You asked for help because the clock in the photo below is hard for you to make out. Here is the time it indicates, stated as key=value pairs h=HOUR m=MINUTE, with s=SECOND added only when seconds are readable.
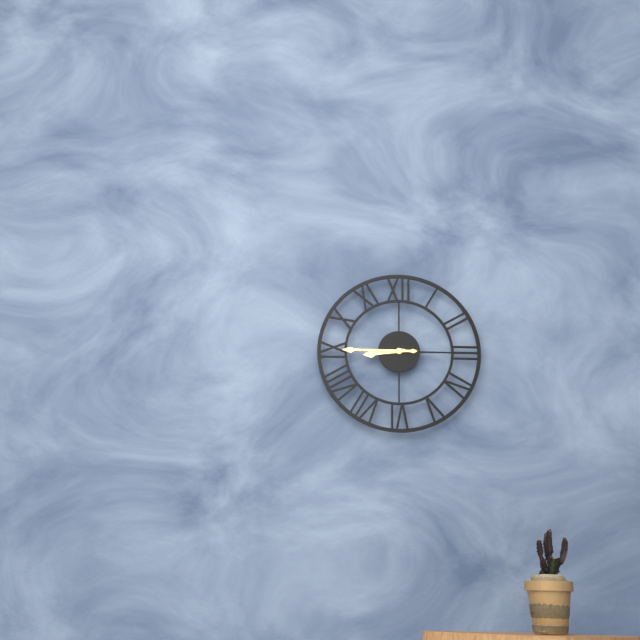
h=8 m=45
